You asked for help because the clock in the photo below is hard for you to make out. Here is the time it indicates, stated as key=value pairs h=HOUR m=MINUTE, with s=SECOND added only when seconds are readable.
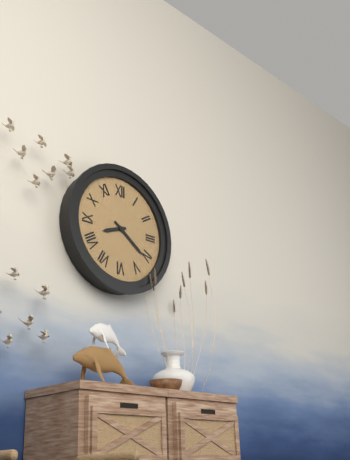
h=8 m=21
